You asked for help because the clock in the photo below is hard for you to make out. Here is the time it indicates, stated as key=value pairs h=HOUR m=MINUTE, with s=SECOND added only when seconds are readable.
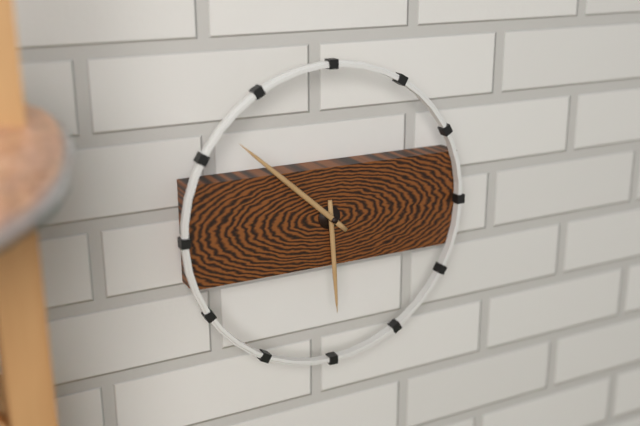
h=5 m=52
